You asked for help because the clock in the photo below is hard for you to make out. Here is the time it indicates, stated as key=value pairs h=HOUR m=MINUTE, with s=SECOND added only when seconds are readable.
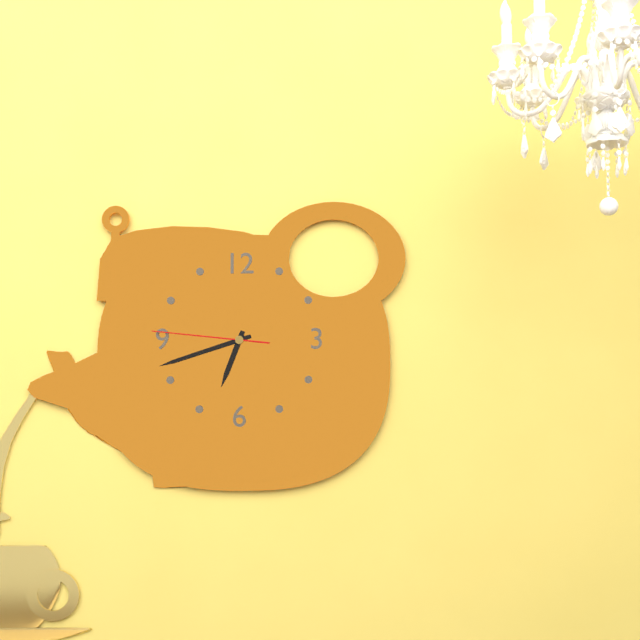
h=6 m=42 s=46
